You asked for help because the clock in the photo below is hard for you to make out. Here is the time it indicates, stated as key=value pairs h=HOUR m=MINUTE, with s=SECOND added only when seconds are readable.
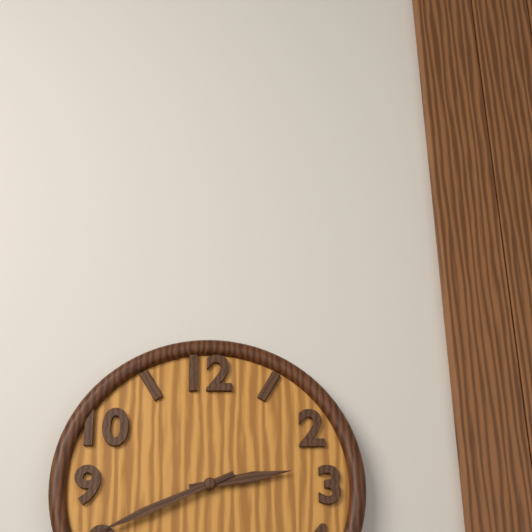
h=2 m=41
